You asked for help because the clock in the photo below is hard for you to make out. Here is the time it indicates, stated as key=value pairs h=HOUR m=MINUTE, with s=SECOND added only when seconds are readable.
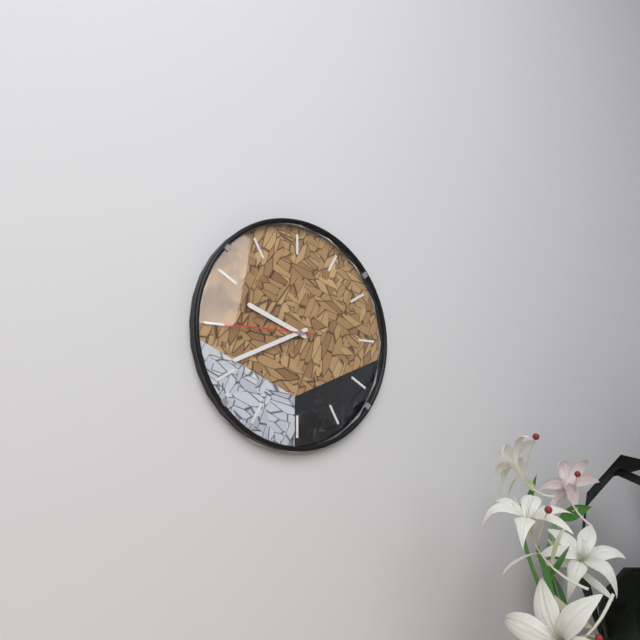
h=9 m=41 s=45
